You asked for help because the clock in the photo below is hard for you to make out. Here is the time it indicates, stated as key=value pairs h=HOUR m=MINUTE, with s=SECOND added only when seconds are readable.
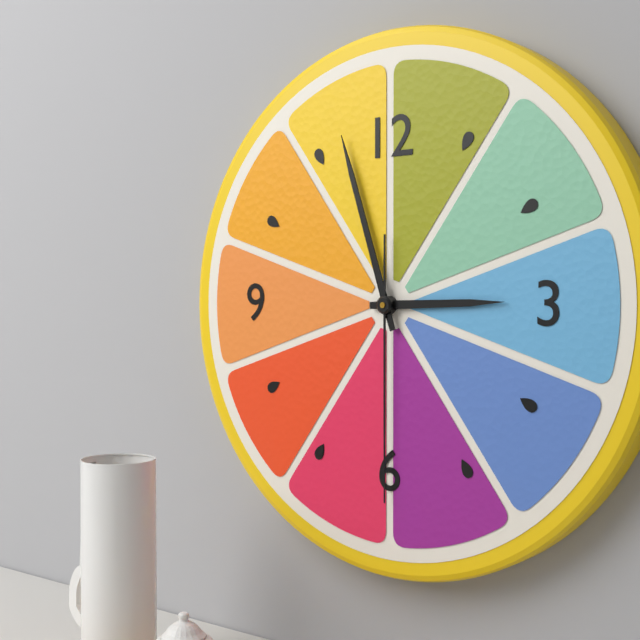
h=2 m=57 s=30
